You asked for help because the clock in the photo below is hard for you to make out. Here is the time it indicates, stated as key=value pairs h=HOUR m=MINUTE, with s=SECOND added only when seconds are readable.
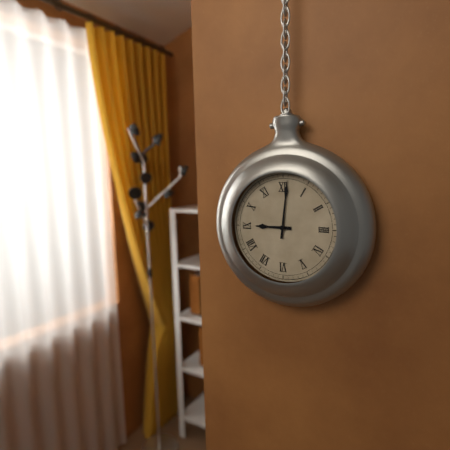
h=9 m=1
